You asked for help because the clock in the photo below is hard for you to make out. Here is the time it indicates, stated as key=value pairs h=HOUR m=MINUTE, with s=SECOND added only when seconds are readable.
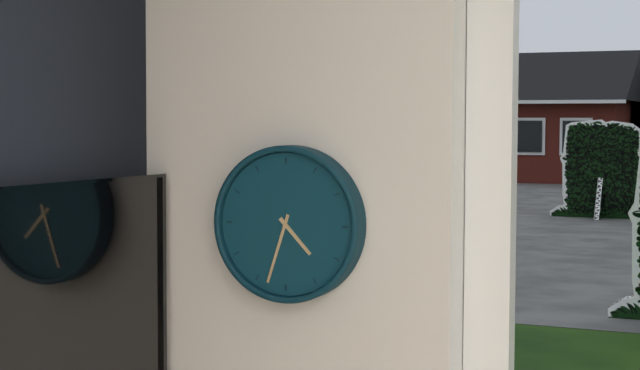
h=4 m=33
